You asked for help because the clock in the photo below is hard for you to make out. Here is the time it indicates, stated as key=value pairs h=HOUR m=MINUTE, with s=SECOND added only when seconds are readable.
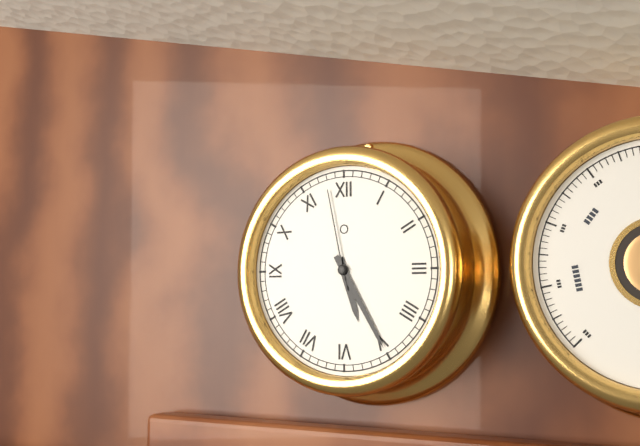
h=5 m=25 s=58
